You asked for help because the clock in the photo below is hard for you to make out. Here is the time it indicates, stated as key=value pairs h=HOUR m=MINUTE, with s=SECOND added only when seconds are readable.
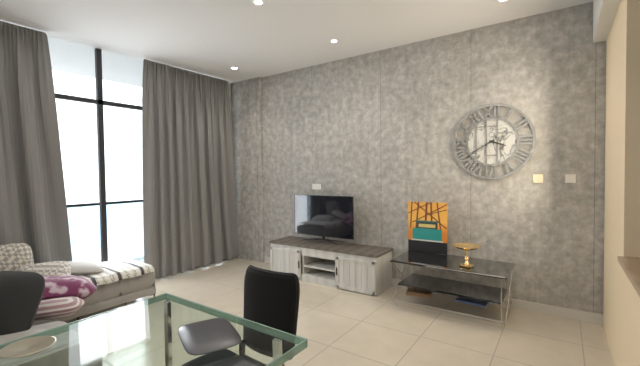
h=3 m=40
